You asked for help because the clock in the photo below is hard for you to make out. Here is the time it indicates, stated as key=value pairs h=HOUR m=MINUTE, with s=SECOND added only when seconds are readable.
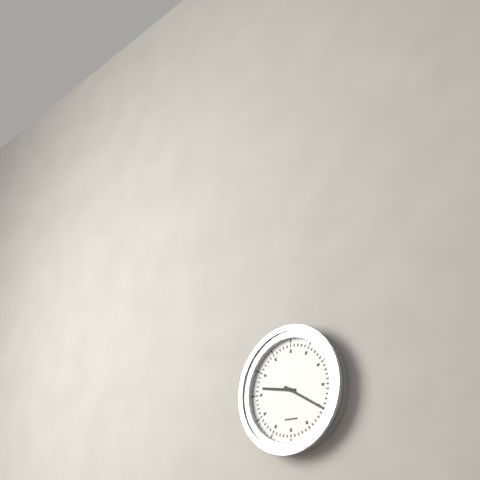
h=9 m=20
